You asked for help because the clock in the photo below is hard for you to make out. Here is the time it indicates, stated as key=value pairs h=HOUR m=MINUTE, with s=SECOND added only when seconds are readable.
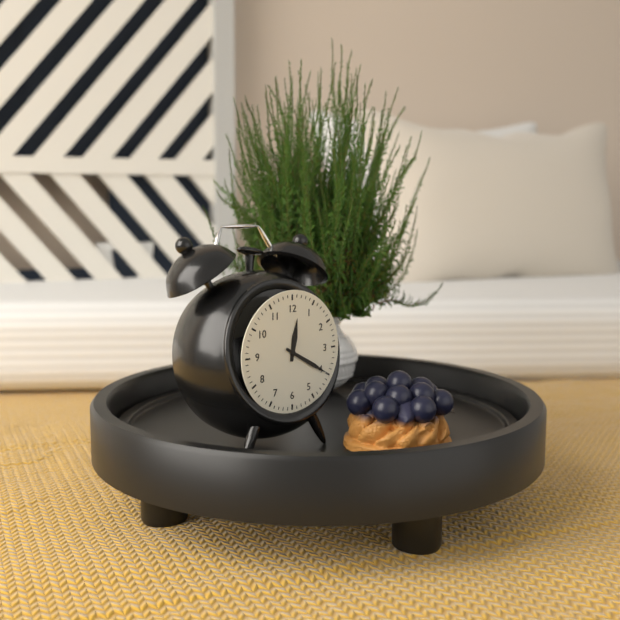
h=12 m=20
